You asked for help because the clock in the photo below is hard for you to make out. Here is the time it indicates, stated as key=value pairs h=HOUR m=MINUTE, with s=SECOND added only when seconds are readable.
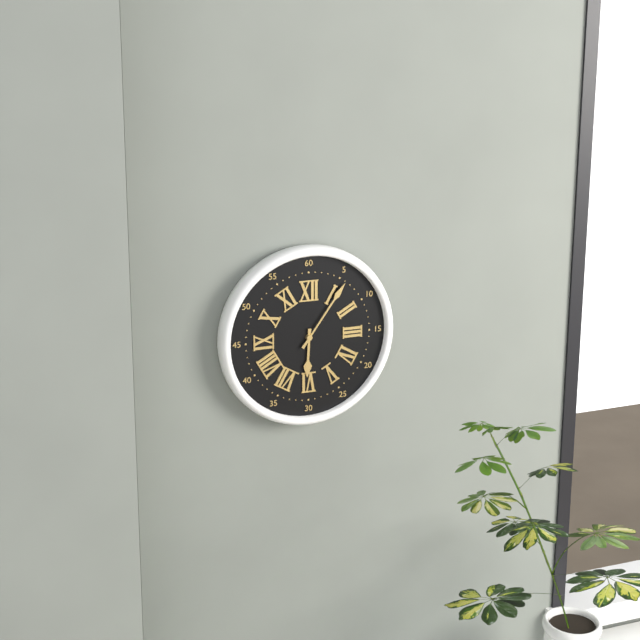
h=6 m=6
